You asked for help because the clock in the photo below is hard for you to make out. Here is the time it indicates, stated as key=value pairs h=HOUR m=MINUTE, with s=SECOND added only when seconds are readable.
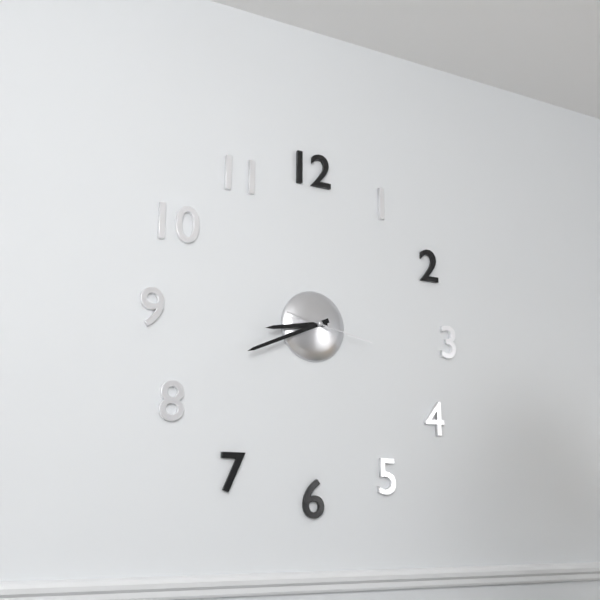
h=8 m=41 s=17
